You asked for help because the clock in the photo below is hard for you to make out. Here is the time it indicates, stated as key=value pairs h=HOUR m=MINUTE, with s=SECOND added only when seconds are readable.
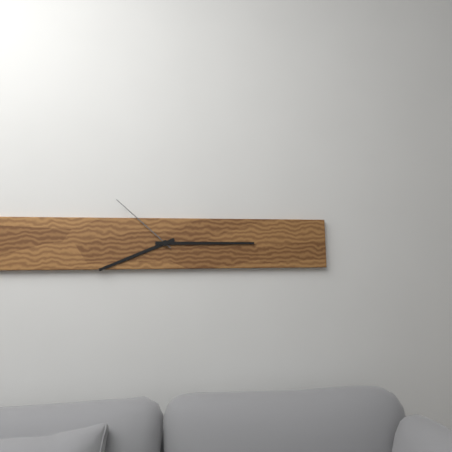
h=8 m=15 s=52
